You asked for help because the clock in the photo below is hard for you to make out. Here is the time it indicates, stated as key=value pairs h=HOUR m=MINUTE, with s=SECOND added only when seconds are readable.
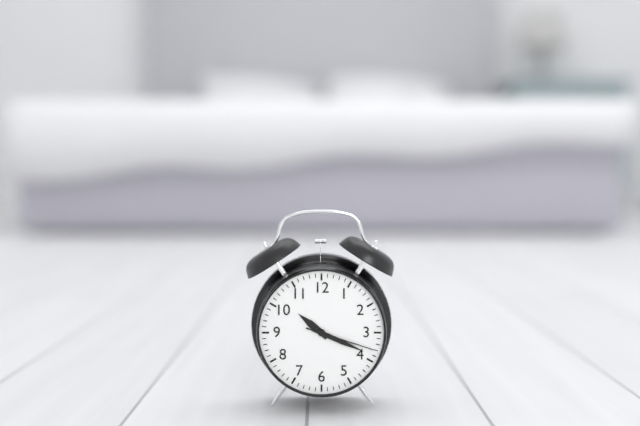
h=10 m=19 s=18
